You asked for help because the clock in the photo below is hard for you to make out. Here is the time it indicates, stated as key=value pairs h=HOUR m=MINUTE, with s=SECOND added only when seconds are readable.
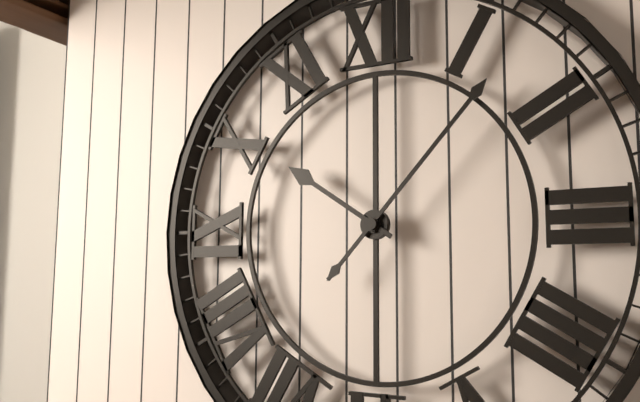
h=10 m=7
